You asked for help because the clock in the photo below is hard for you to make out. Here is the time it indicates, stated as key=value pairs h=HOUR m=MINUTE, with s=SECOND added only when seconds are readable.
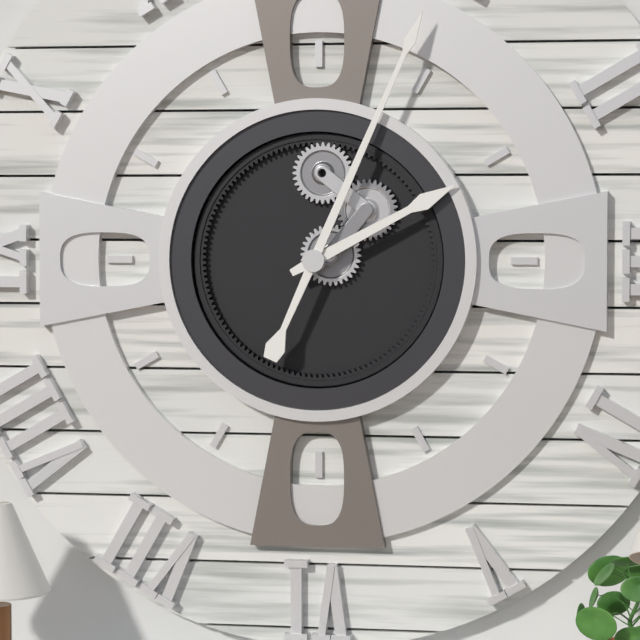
h=2 m=4
